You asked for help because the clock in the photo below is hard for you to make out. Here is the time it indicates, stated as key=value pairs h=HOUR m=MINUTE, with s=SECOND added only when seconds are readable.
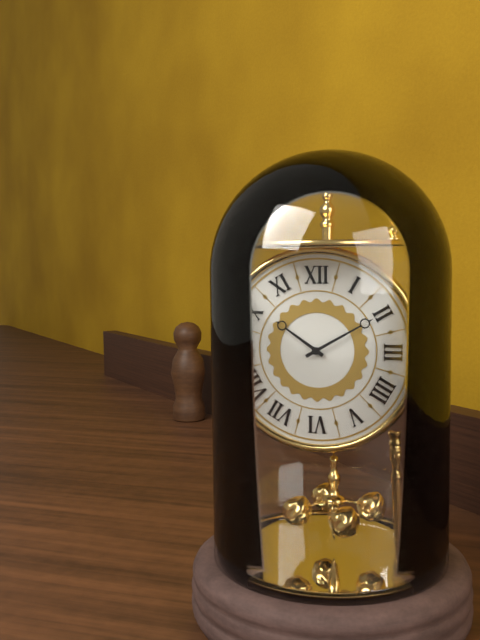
h=10 m=10
